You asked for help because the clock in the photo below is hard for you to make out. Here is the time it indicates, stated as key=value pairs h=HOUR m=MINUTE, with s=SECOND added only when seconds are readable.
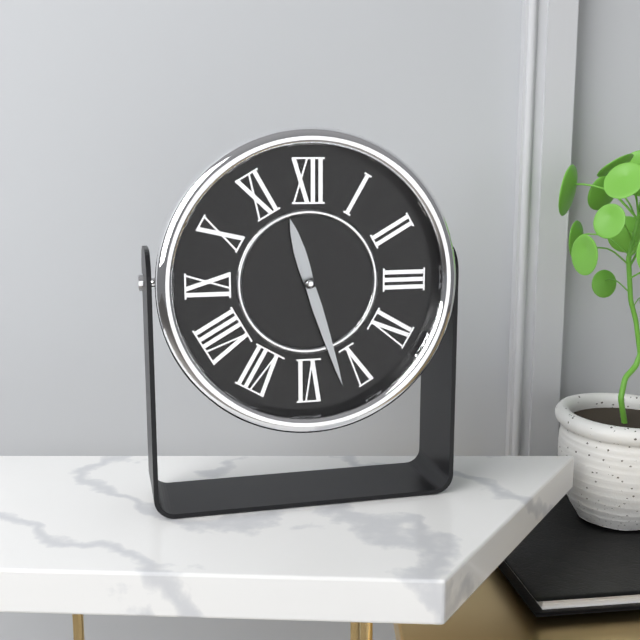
h=11 m=27
